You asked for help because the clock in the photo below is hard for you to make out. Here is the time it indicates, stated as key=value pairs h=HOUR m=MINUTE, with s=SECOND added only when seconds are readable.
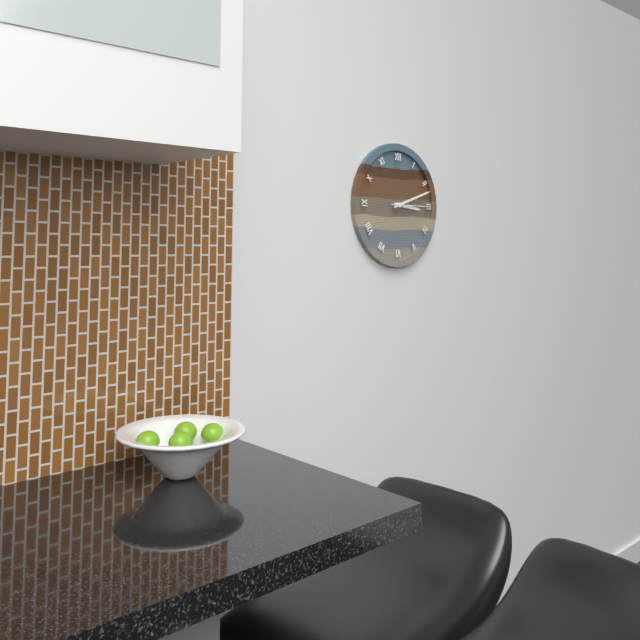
h=3 m=12
